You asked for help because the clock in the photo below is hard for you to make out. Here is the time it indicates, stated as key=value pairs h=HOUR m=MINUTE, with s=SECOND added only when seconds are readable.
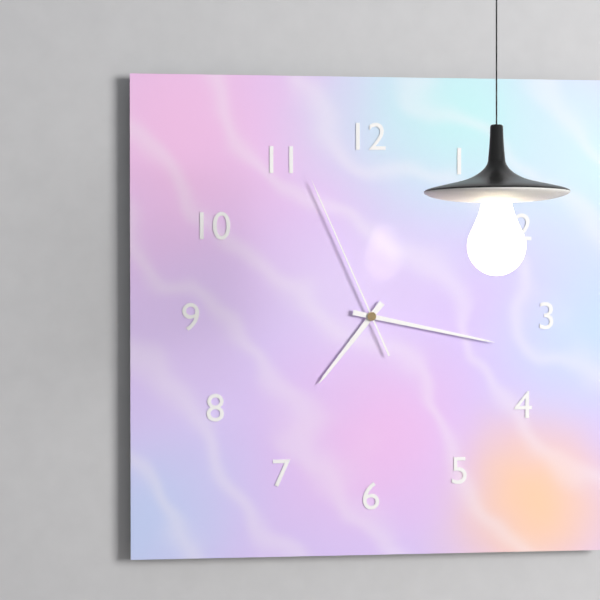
h=7 m=17 s=56
